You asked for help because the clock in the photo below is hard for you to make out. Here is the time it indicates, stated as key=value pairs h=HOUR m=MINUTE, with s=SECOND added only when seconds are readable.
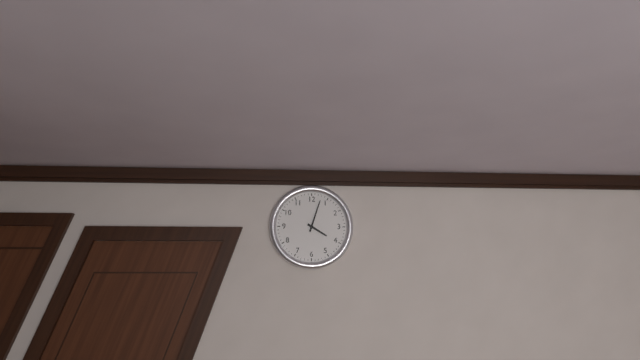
h=4 m=3
